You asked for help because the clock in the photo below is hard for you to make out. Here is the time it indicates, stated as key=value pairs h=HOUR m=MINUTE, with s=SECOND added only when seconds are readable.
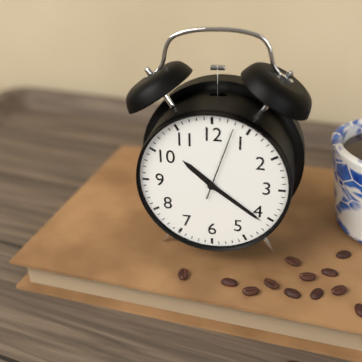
h=10 m=21 s=3
